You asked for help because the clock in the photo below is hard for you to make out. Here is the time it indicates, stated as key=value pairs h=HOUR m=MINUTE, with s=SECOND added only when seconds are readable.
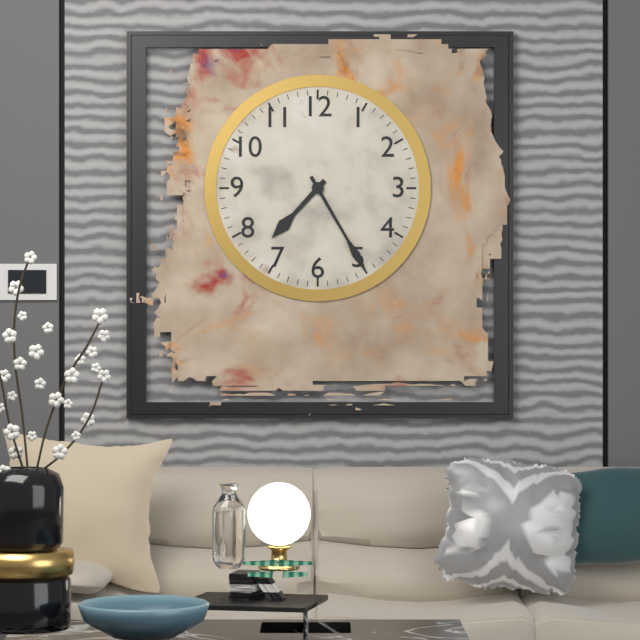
h=7 m=25
